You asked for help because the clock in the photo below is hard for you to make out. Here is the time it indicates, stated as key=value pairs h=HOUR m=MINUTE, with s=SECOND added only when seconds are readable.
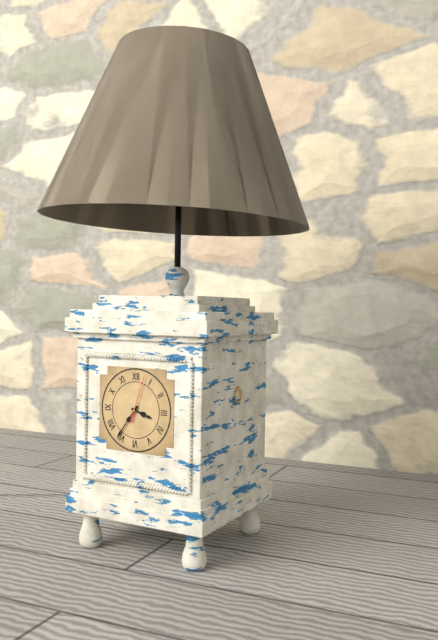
h=3 m=36
